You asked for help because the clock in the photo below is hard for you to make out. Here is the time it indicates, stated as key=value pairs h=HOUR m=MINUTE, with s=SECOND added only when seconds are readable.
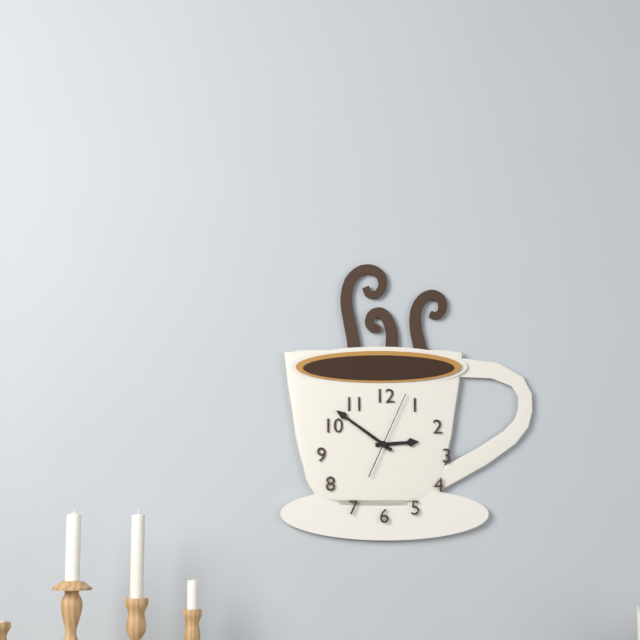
h=2 m=51 s=4
